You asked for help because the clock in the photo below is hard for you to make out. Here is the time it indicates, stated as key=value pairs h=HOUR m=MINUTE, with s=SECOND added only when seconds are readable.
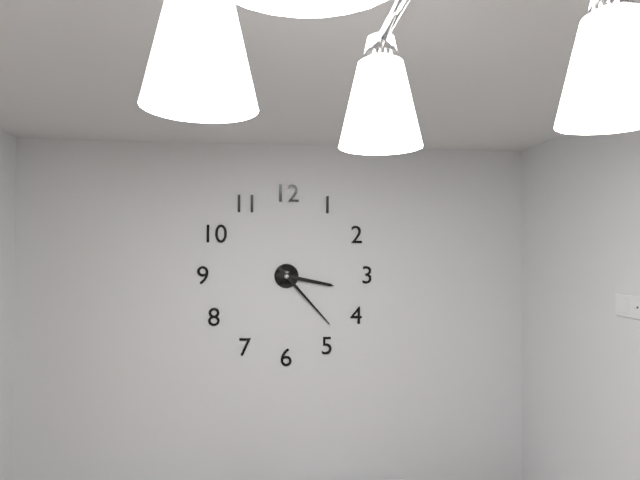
h=3 m=23
